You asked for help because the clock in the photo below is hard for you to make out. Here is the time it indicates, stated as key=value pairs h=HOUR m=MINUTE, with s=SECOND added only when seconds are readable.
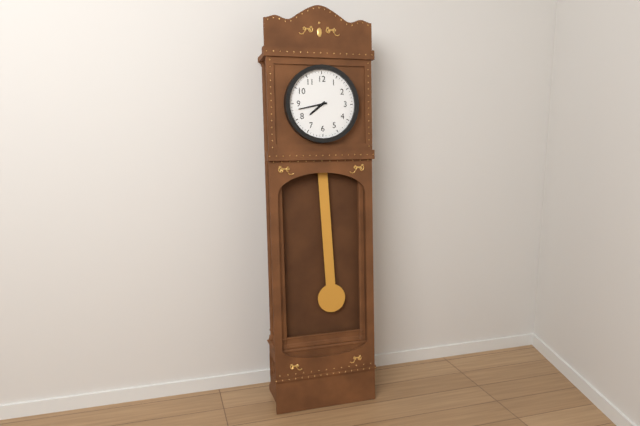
h=7 m=43
